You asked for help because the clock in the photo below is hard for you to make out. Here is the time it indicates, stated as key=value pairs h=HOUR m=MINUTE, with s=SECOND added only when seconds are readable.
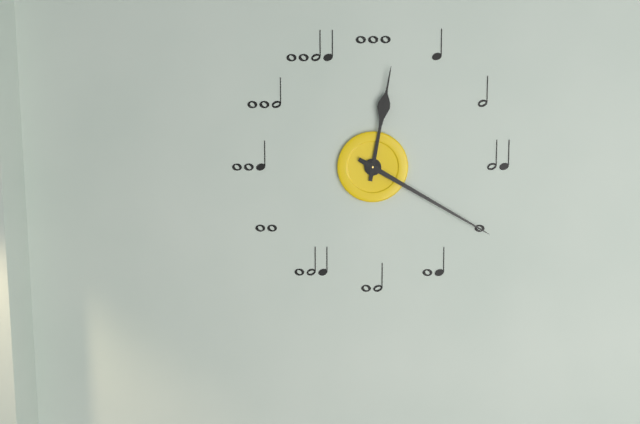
h=12 m=20
